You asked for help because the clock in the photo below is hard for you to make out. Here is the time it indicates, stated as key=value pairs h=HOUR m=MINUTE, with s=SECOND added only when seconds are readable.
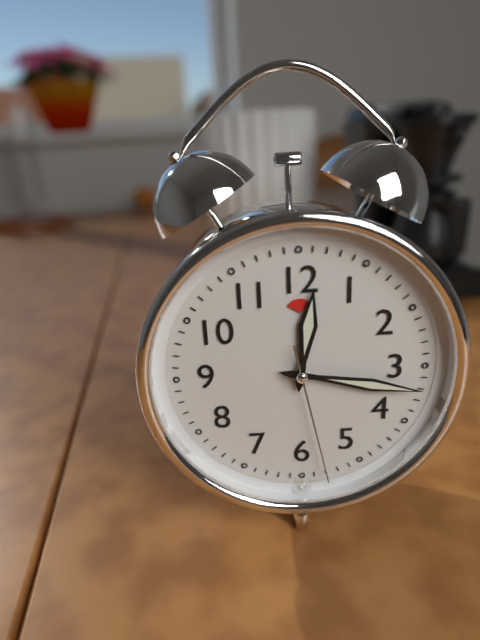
h=12 m=17 s=28
